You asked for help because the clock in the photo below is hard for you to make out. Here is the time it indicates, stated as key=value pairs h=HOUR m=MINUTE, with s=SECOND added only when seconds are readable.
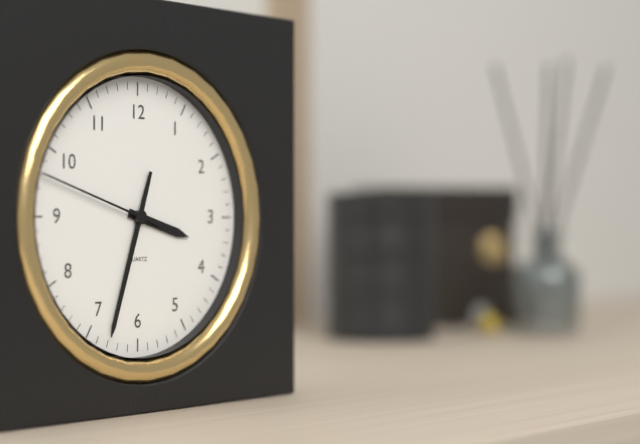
h=3 m=33 s=48
